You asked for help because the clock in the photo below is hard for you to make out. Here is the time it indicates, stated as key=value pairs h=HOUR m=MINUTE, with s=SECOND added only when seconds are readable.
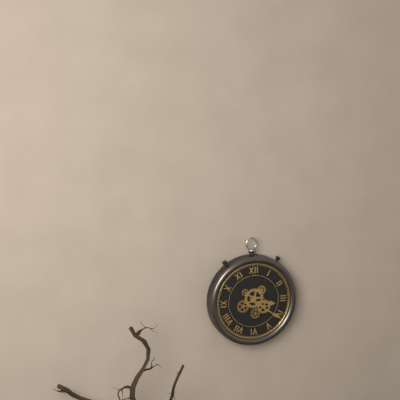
h=3 m=21
